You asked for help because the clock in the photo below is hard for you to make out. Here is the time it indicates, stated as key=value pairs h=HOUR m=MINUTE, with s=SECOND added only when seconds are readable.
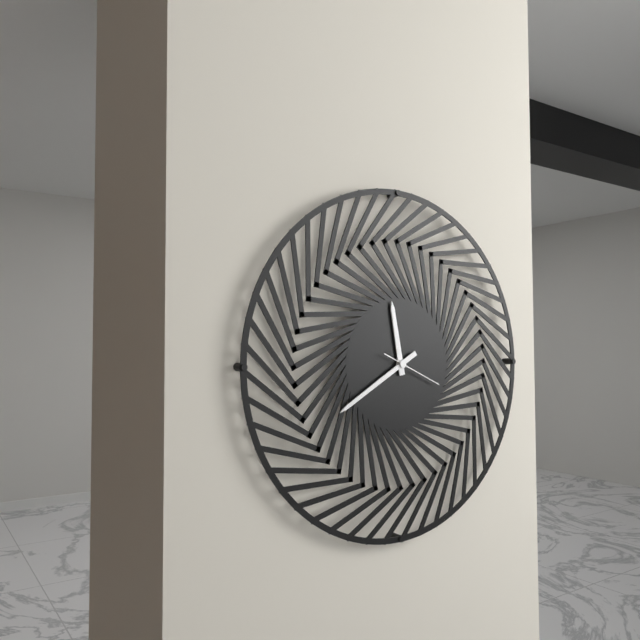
h=11 m=40 s=19
